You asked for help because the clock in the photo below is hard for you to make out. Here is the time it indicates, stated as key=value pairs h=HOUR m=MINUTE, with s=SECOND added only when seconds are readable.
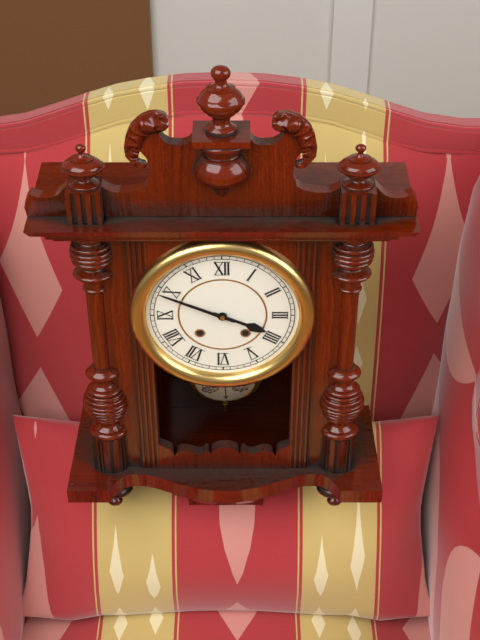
h=3 m=49
